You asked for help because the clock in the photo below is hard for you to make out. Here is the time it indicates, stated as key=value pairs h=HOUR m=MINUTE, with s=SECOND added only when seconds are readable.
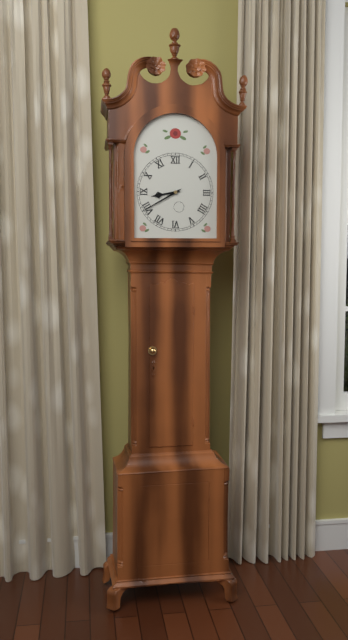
h=8 m=40
